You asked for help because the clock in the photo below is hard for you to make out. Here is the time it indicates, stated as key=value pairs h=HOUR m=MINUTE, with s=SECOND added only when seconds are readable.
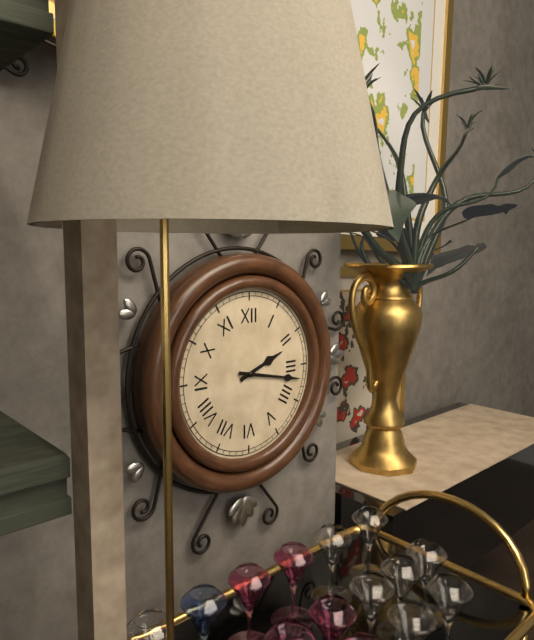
h=2 m=17
